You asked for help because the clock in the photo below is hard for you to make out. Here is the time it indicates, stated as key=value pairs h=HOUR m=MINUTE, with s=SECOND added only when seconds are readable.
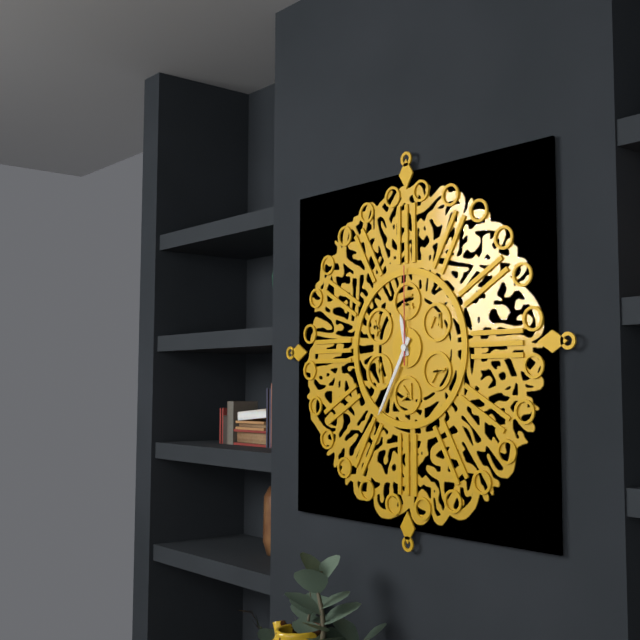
h=11 m=35 s=0
